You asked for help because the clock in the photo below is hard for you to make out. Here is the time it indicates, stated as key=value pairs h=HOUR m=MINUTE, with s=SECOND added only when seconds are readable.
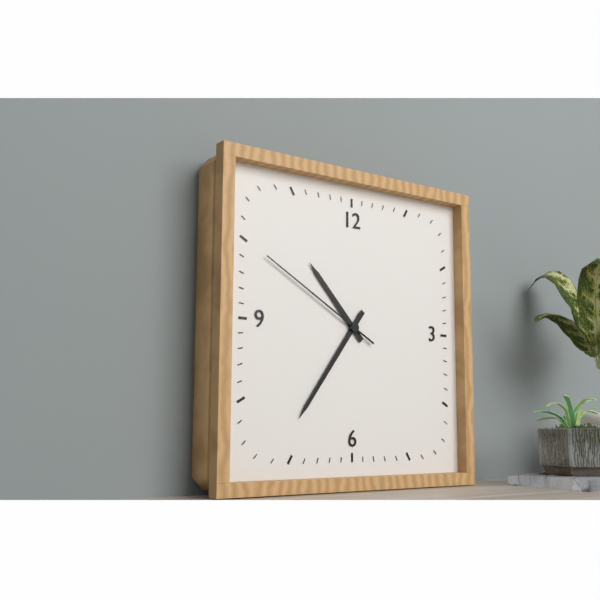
h=10 m=36 s=50
